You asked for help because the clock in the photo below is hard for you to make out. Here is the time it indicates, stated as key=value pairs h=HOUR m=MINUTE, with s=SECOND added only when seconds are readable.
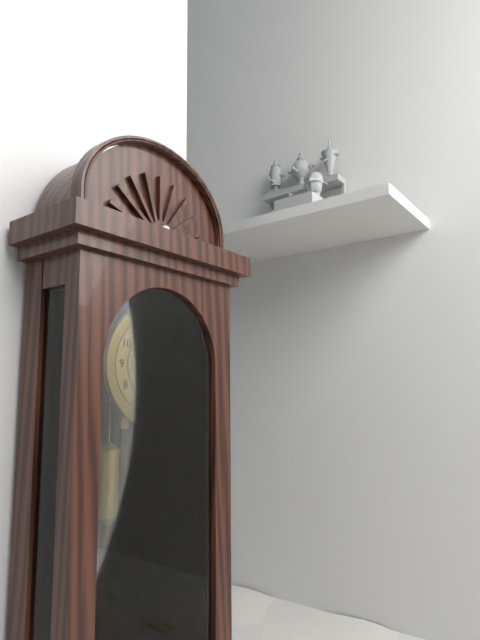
h=10 m=3
